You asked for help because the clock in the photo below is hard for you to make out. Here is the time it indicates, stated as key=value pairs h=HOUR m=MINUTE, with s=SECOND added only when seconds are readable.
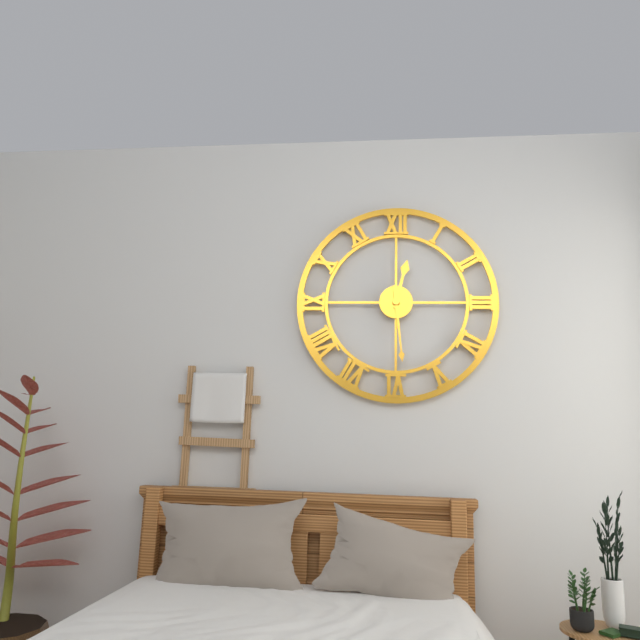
h=12 m=29
